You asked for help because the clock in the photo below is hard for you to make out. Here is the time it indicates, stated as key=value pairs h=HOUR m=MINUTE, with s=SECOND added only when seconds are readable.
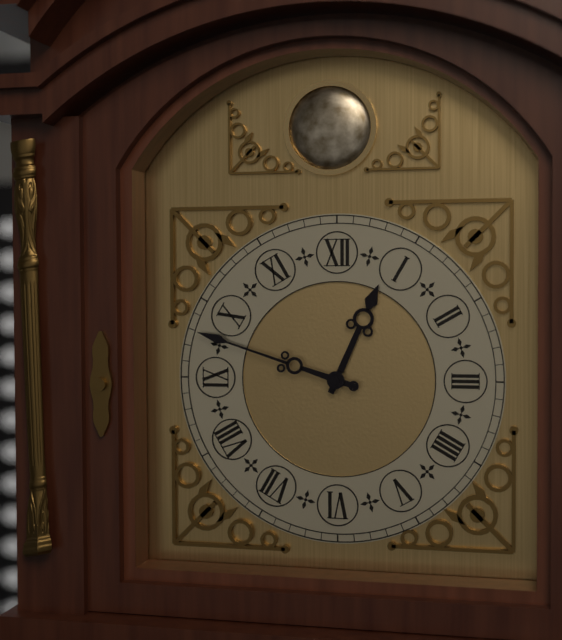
h=12 m=48
